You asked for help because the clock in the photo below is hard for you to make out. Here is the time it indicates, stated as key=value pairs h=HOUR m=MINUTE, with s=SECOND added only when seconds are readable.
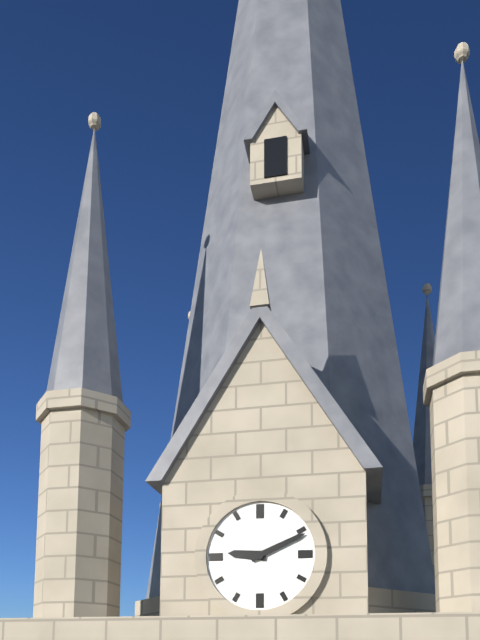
h=9 m=11
